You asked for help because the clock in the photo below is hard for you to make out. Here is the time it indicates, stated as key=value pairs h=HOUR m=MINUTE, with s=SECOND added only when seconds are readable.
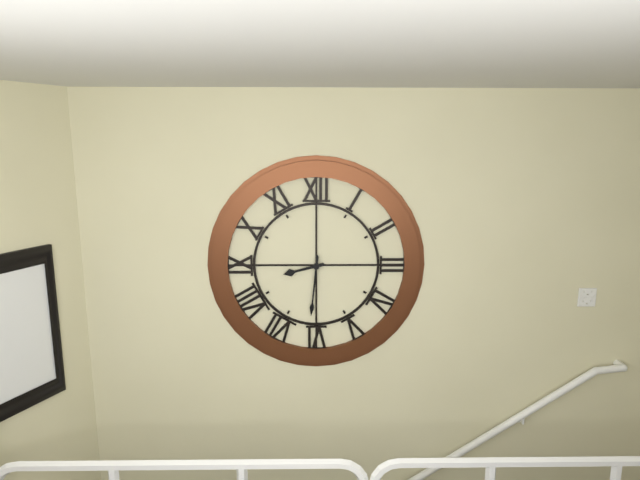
h=8 m=31
